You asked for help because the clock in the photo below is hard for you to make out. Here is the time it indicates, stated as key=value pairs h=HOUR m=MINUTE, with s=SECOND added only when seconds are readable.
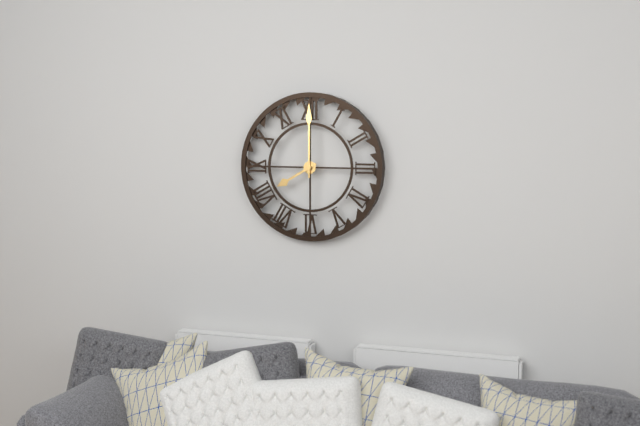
h=8 m=0
